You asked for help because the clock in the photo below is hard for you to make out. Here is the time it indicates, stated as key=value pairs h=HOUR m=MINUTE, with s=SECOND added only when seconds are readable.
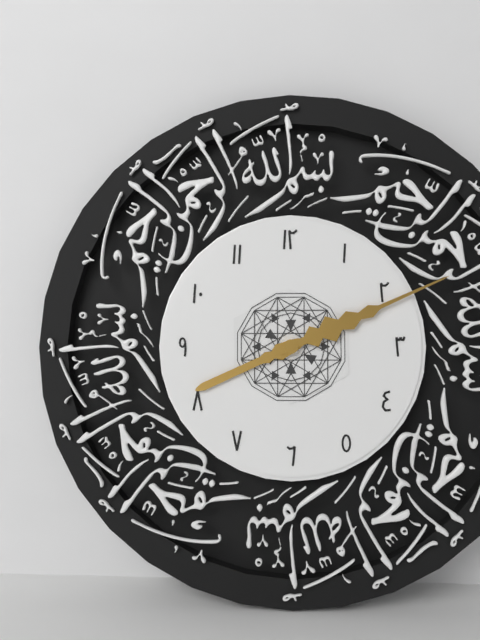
h=8 m=11
